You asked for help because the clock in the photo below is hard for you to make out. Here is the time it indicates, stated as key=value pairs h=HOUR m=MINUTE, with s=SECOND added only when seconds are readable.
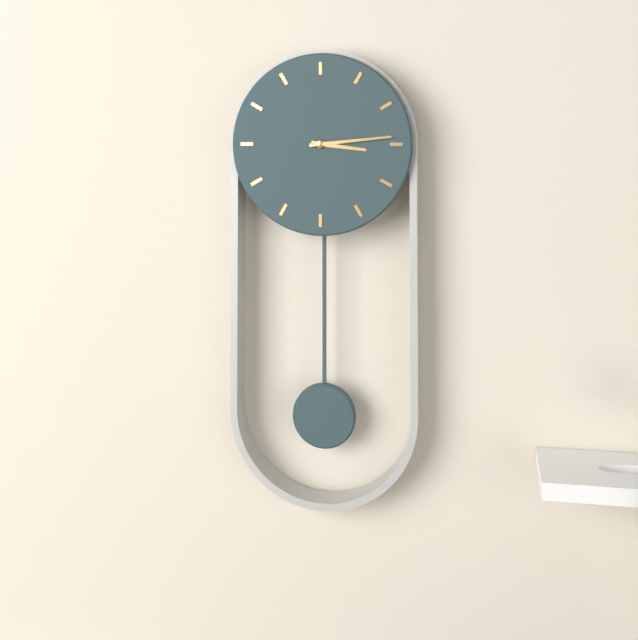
h=3 m=14
